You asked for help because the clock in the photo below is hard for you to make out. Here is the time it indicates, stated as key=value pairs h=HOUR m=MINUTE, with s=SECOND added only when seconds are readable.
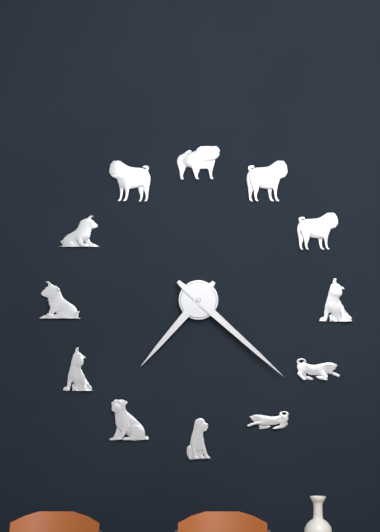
h=7 m=22
